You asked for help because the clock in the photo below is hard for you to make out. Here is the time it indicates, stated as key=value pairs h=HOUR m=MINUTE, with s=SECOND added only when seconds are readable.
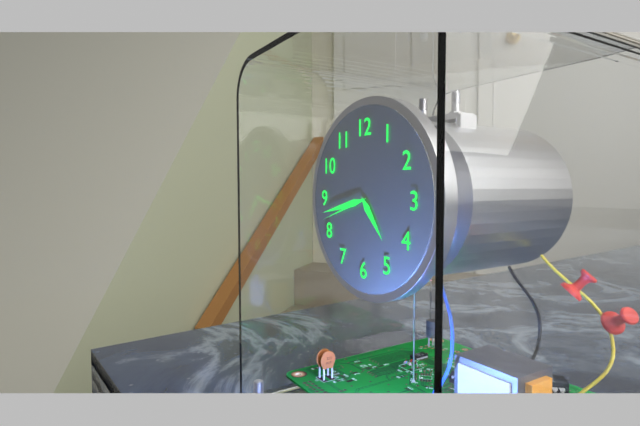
h=4 m=43 s=42
